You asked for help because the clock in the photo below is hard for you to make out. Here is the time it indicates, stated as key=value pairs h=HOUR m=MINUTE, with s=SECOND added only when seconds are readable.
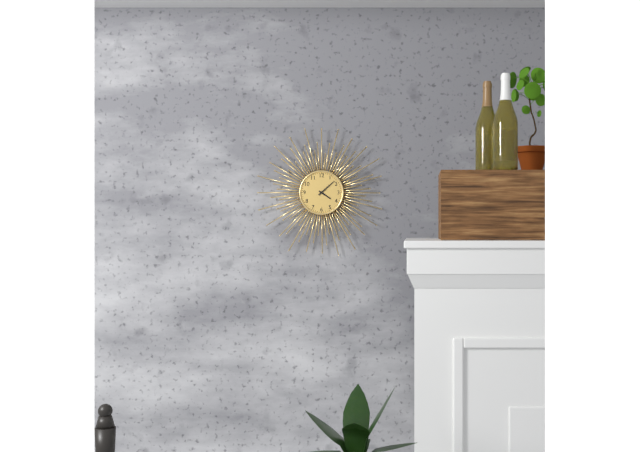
h=4 m=8
